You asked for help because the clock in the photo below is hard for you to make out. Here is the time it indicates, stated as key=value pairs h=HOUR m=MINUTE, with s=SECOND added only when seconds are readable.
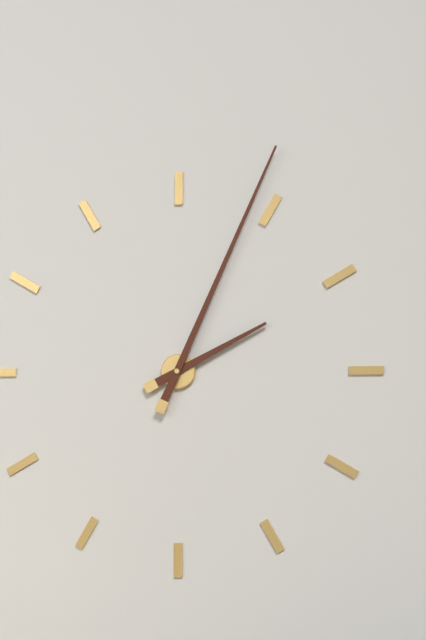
h=2 m=4
